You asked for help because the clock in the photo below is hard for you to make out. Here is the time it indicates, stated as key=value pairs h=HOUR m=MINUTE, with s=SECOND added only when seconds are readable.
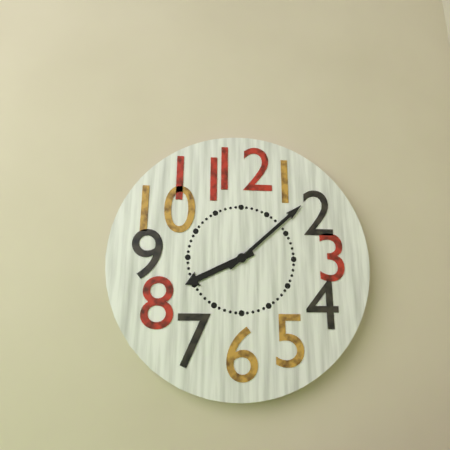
h=8 m=8
